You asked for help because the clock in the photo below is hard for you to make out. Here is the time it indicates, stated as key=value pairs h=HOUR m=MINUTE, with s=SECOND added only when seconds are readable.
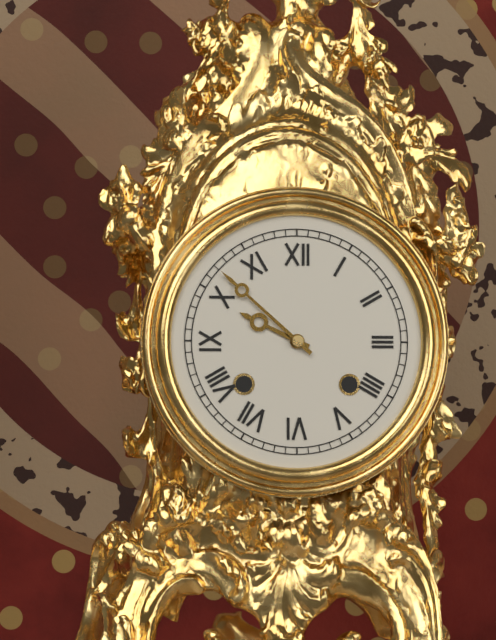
h=9 m=52
